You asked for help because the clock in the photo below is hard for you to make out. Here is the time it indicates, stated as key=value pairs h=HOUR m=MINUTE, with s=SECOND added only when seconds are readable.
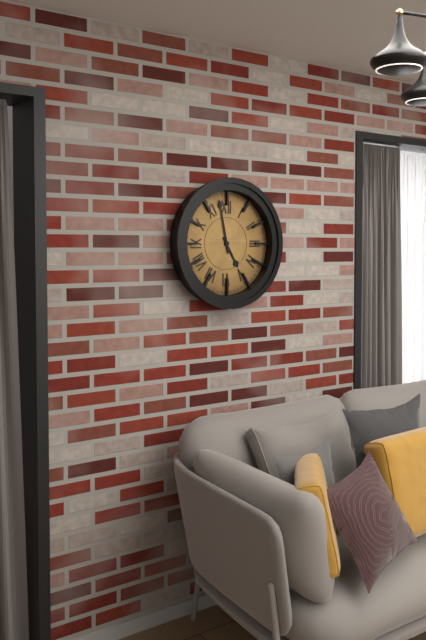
h=4 m=58
